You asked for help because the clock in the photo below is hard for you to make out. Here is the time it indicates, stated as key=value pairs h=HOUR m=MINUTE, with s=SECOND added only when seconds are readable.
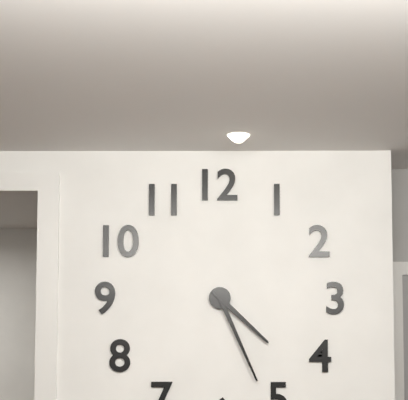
h=4 m=26
